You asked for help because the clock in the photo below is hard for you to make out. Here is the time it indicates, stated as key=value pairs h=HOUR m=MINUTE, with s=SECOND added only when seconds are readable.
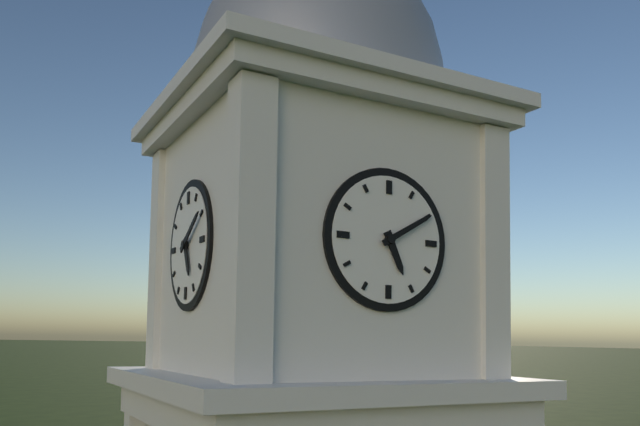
h=5 m=10
